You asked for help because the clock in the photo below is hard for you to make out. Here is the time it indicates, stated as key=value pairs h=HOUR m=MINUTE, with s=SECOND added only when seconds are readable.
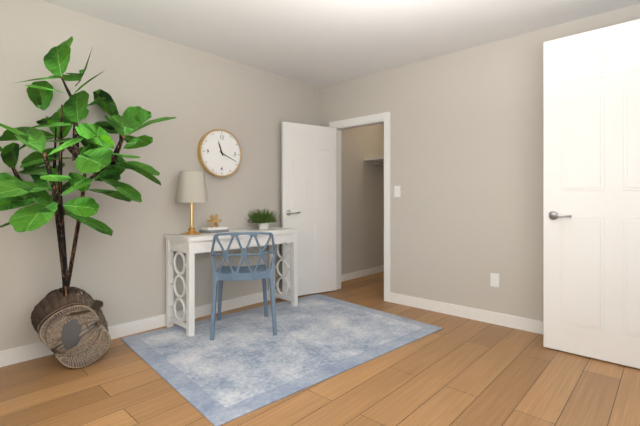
h=11 m=19
